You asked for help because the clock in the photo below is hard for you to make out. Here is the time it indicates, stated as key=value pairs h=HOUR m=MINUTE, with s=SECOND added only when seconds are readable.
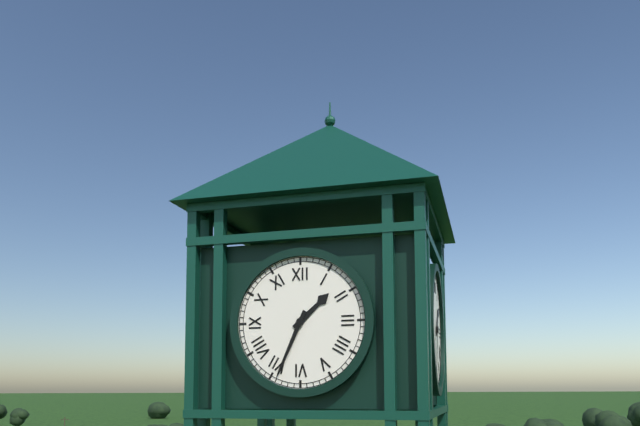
h=1 m=34
